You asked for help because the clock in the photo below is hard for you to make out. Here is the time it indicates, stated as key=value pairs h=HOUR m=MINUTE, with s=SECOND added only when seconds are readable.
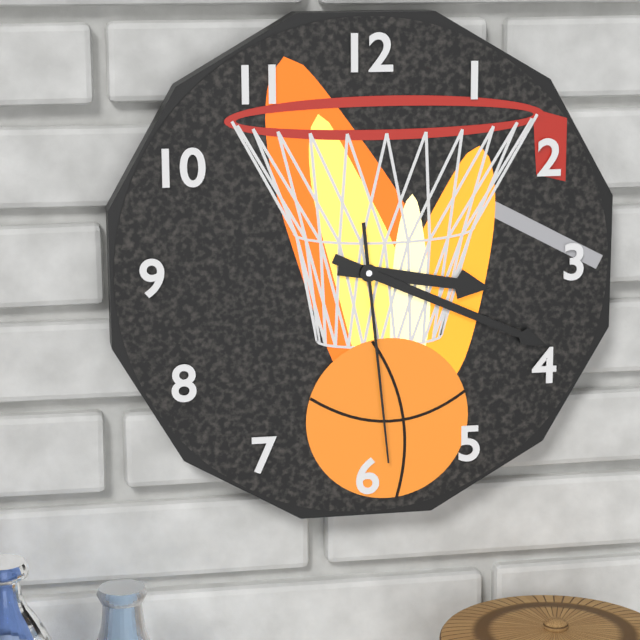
h=3 m=19 s=29
